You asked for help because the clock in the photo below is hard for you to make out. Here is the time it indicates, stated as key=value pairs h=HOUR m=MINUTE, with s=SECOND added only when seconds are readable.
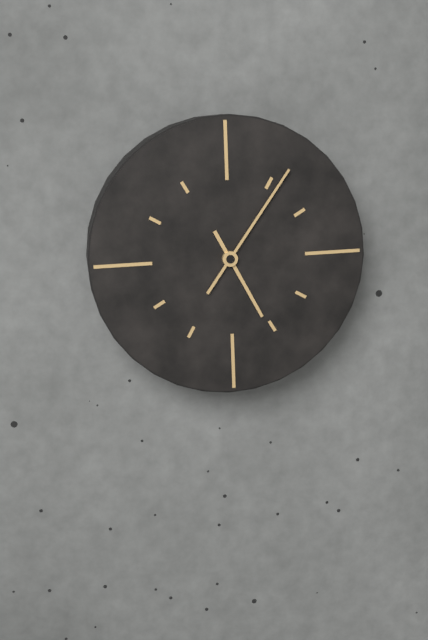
h=5 m=6
